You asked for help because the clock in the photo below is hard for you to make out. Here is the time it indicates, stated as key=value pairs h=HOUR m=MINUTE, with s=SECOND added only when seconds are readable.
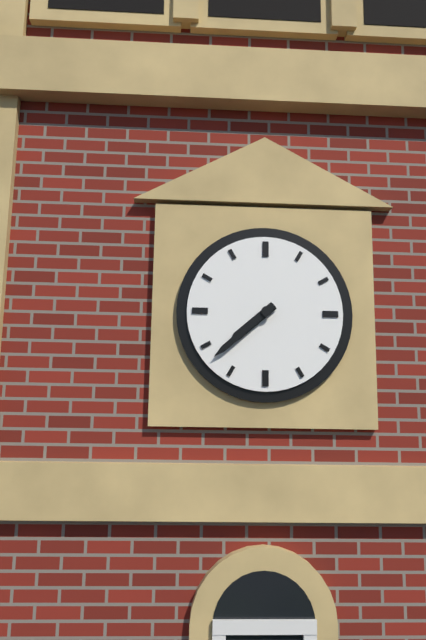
h=7 m=38
